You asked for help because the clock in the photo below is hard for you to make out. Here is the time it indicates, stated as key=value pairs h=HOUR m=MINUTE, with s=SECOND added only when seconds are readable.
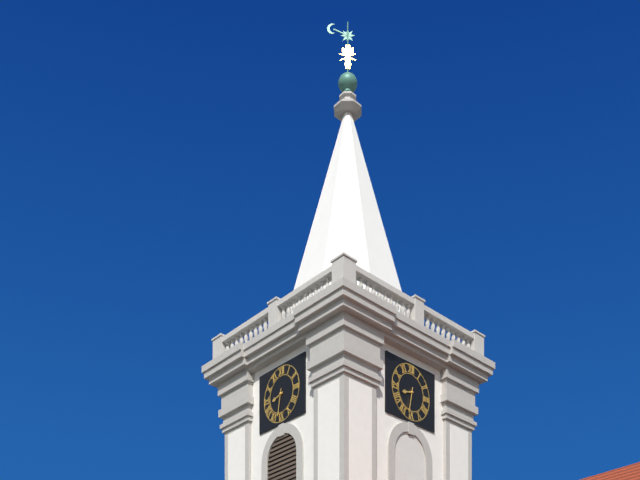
h=8 m=32
